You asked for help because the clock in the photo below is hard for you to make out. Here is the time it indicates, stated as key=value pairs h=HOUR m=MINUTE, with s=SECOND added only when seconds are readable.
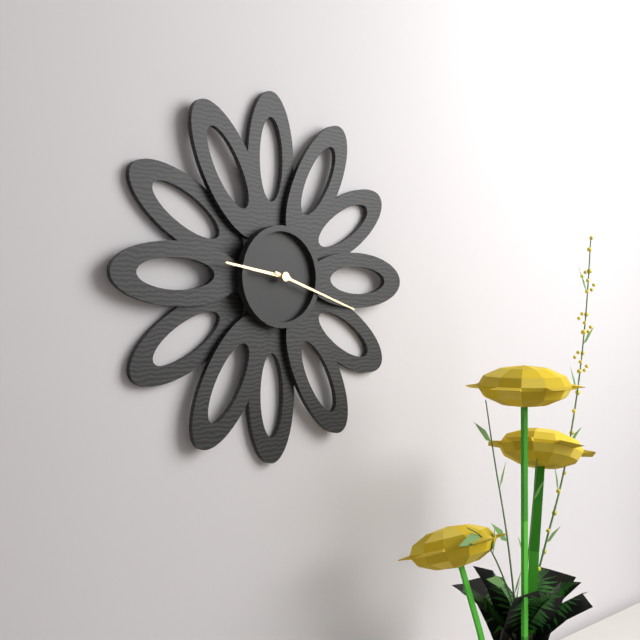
h=9 m=18
